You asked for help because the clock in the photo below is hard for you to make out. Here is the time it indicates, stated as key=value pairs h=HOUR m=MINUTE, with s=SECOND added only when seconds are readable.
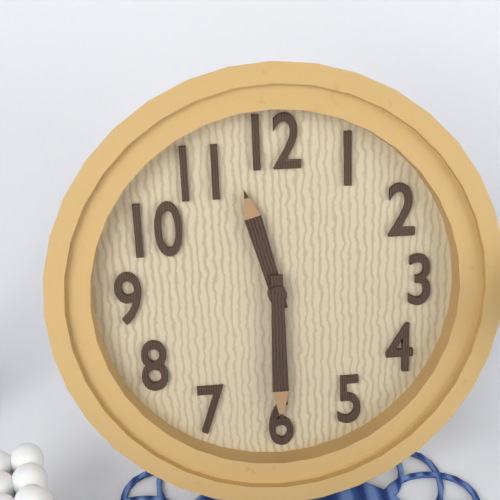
h=11 m=30
